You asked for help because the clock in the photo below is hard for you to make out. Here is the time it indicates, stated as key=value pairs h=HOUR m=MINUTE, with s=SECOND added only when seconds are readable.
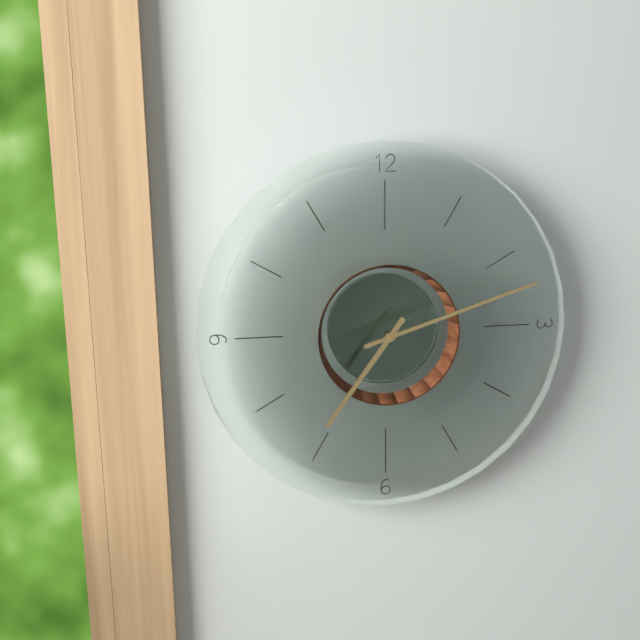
h=7 m=12
